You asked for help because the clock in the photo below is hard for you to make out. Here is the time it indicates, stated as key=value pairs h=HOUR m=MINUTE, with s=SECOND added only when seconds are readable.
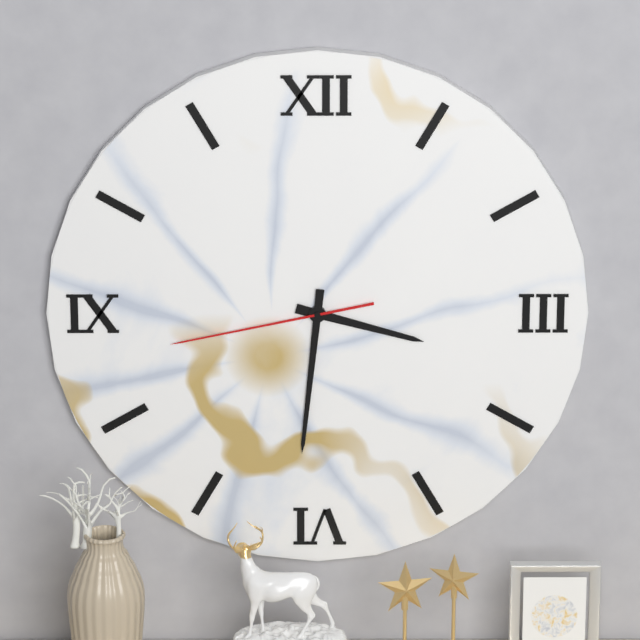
h=3 m=31 s=43
